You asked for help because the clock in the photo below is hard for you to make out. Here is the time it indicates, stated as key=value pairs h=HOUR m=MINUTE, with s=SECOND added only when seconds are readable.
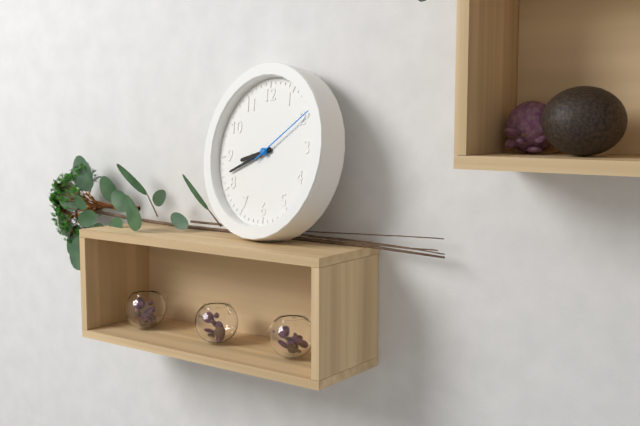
h=8 m=42 s=10
